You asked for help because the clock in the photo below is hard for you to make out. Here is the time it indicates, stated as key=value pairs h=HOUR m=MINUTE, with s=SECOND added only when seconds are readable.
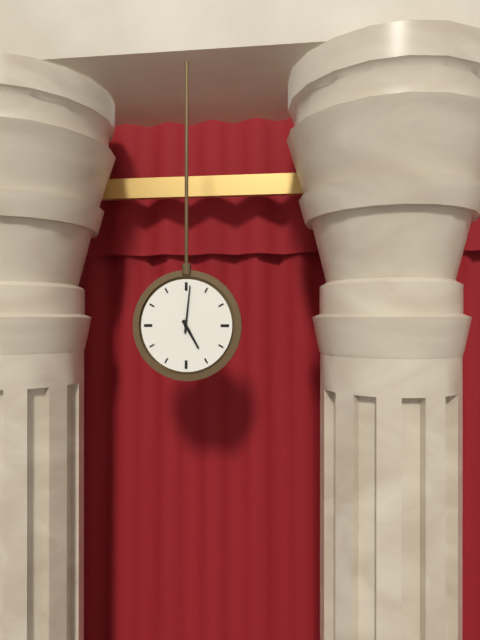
h=5 m=1
